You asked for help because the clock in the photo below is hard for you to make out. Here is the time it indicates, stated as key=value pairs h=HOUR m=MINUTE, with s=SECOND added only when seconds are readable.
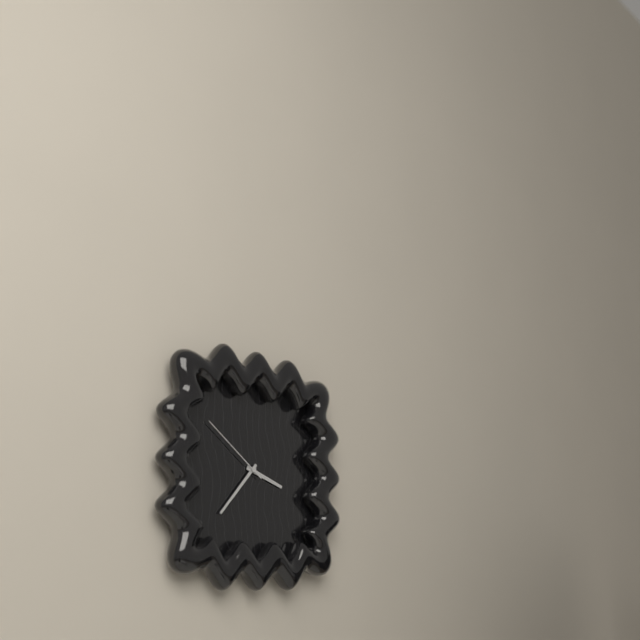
h=3 m=37 s=51
